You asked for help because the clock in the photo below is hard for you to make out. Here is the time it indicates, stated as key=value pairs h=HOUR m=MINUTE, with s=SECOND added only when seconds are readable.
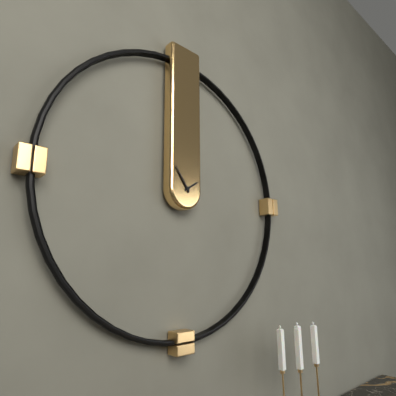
h=1 m=54
